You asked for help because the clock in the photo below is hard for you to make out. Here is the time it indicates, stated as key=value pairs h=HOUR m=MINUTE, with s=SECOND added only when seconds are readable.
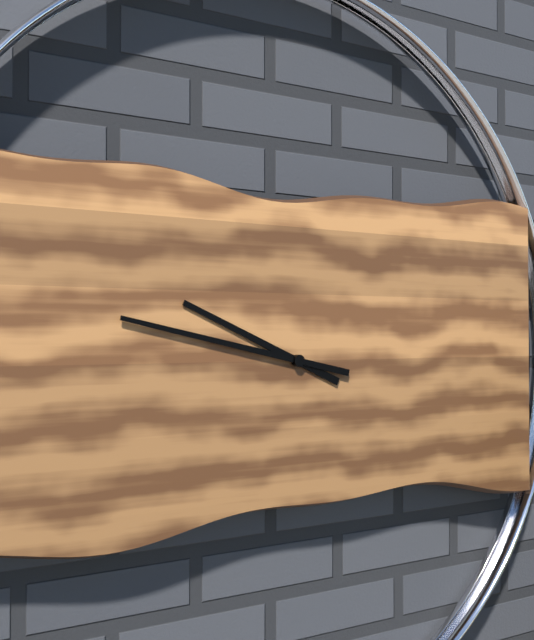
h=9 m=47
